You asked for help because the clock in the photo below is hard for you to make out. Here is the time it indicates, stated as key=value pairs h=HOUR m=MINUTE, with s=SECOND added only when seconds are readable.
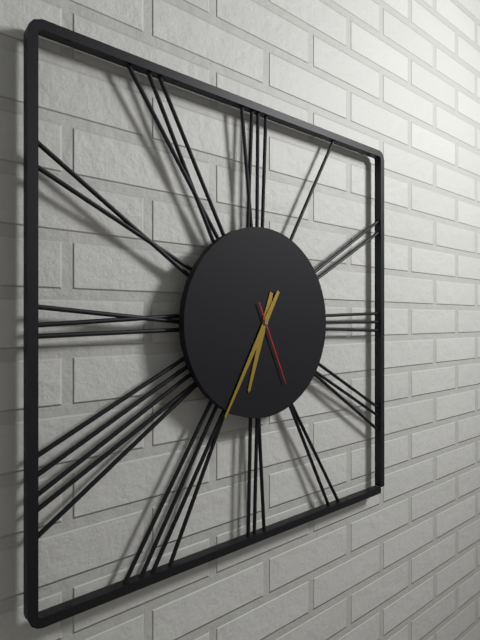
h=6 m=35 s=26
